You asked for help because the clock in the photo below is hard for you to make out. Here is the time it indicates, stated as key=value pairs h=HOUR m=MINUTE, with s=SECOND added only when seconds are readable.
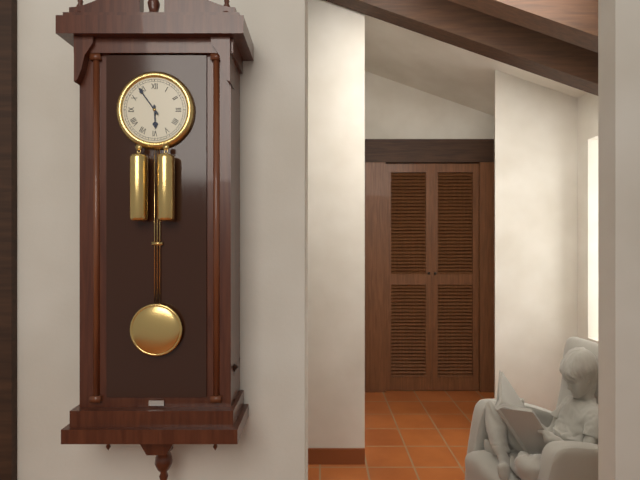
h=5 m=54
